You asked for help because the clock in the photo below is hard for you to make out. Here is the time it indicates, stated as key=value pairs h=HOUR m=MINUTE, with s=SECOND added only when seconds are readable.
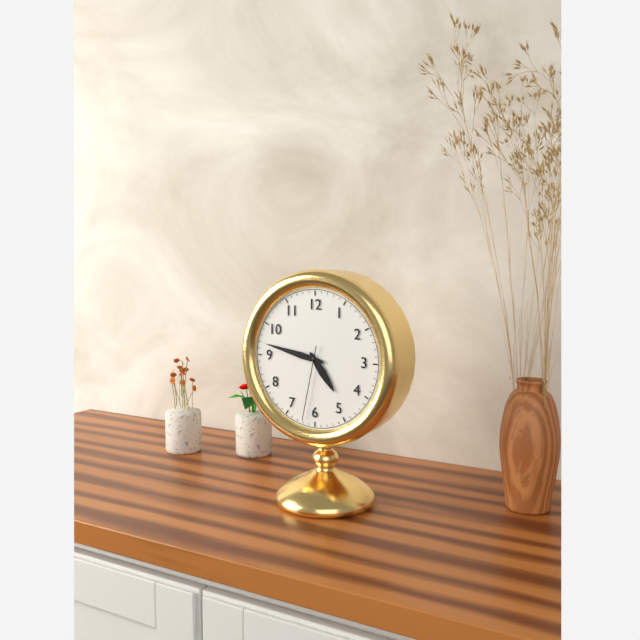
h=4 m=47 s=32
